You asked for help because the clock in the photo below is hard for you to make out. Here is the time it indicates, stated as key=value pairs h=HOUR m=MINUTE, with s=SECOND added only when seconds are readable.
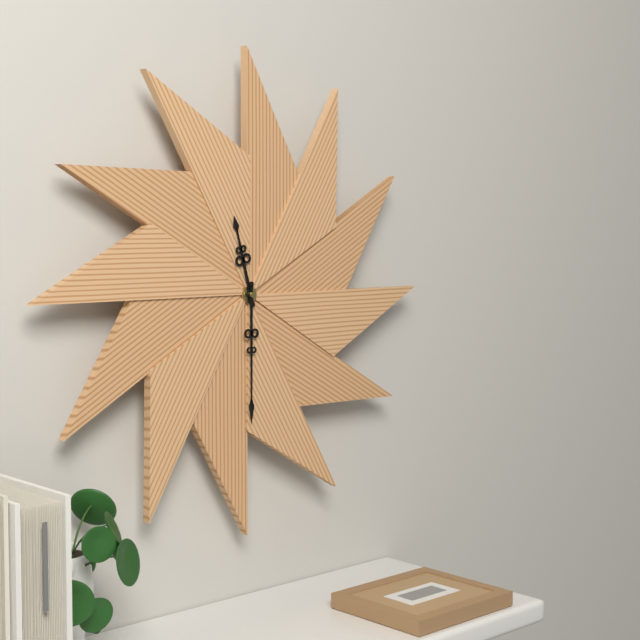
h=11 m=30
